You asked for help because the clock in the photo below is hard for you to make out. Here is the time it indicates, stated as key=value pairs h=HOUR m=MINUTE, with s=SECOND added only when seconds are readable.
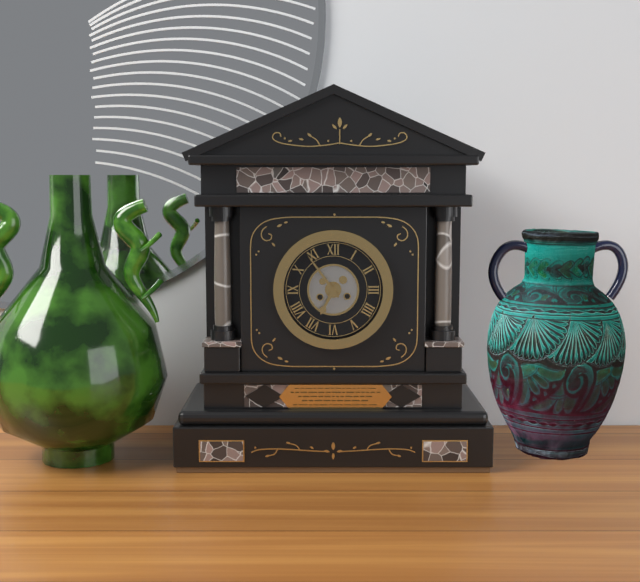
h=6 m=54
